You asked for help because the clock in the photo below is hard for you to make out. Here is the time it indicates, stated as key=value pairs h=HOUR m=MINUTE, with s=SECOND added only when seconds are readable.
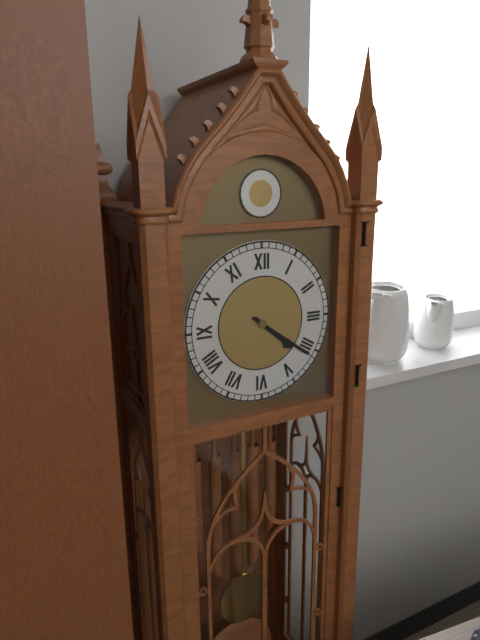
h=4 m=21
